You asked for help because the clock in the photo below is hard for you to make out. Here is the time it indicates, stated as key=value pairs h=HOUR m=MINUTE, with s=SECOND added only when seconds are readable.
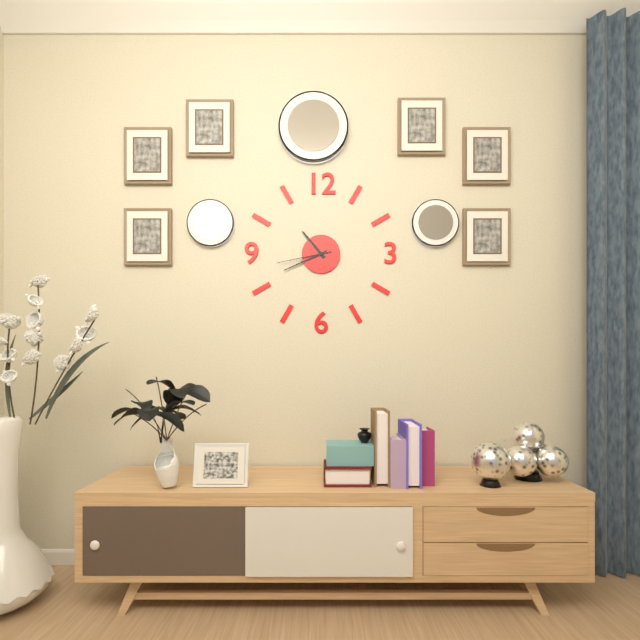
h=10 m=41 s=43
